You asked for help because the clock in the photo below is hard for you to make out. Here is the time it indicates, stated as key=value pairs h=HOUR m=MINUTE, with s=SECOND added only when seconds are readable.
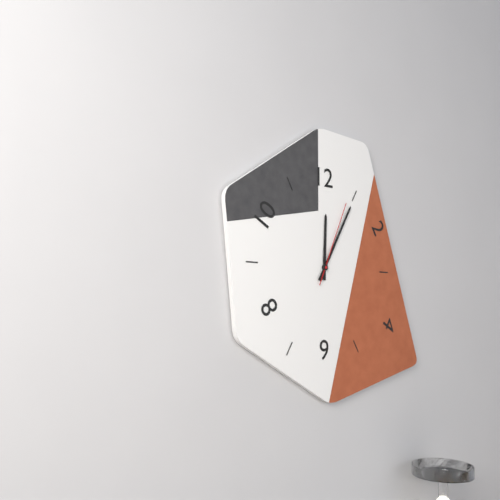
h=12 m=5 s=4
